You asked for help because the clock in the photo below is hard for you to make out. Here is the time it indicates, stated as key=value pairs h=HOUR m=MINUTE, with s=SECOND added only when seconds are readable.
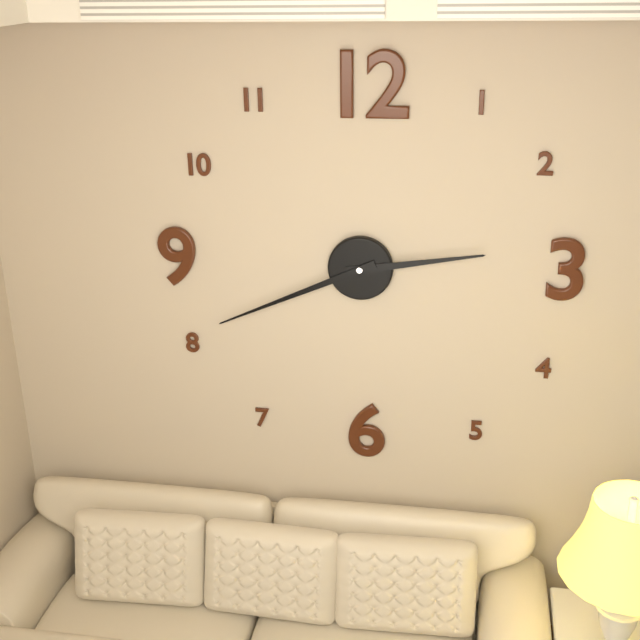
h=2 m=41
